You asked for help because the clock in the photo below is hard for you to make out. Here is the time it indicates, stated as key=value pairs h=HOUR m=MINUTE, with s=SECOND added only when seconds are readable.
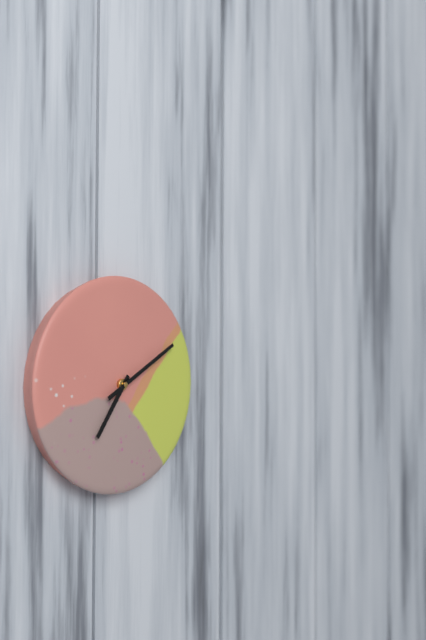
h=7 m=10
